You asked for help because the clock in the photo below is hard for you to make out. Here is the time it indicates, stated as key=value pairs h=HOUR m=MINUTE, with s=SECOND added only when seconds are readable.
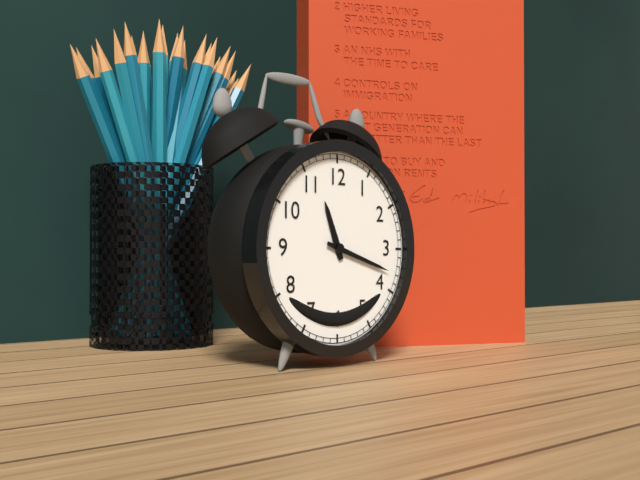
h=11 m=18
